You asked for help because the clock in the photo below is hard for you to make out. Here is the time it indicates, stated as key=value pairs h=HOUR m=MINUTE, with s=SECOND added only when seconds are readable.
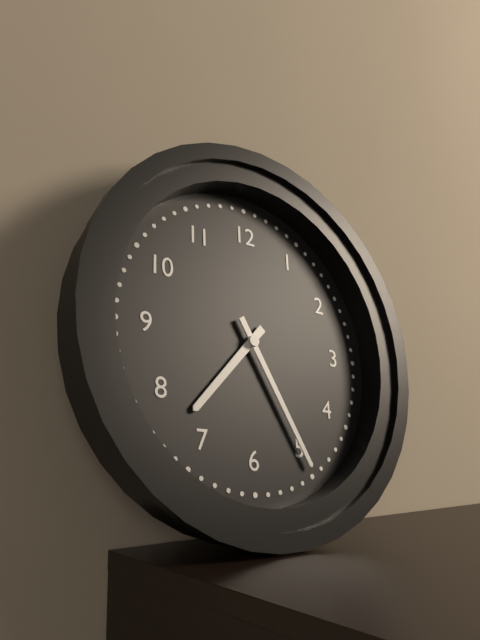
h=7 m=25
